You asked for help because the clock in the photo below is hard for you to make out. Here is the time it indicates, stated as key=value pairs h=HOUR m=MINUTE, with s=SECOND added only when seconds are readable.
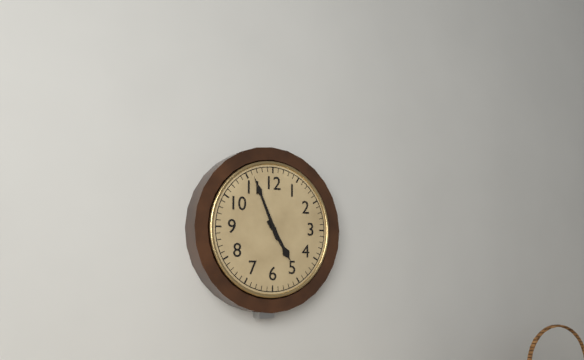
h=4 m=56
